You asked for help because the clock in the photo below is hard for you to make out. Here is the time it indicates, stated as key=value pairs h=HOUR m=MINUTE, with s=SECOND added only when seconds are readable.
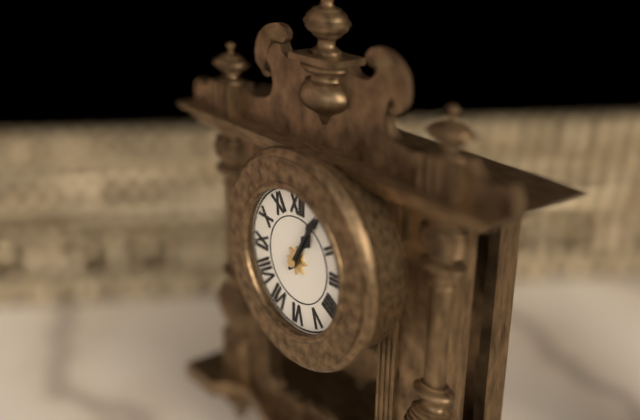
h=1 m=5
